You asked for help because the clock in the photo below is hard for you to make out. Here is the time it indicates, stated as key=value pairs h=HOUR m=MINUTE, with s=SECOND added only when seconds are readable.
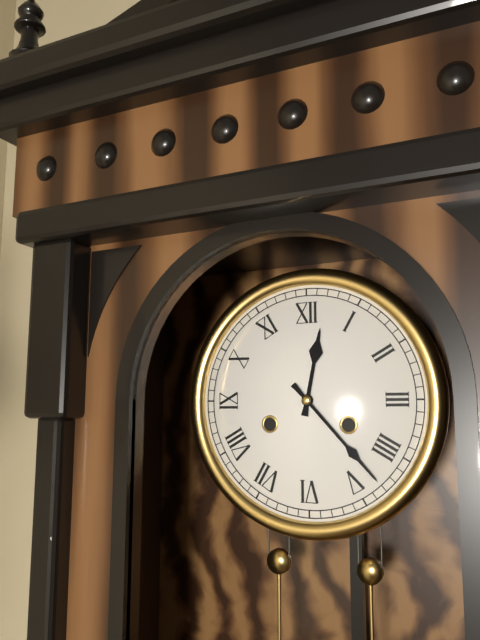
h=12 m=23
